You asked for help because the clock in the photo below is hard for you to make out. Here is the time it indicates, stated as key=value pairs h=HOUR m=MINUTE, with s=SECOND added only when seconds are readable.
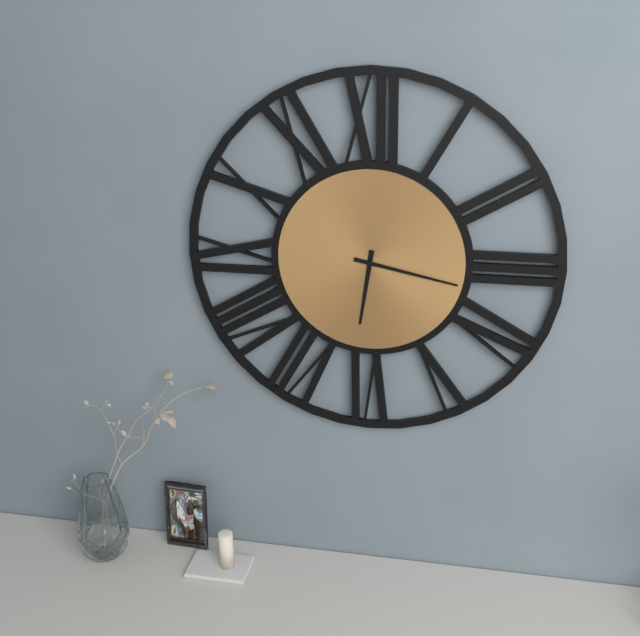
h=6 m=17
